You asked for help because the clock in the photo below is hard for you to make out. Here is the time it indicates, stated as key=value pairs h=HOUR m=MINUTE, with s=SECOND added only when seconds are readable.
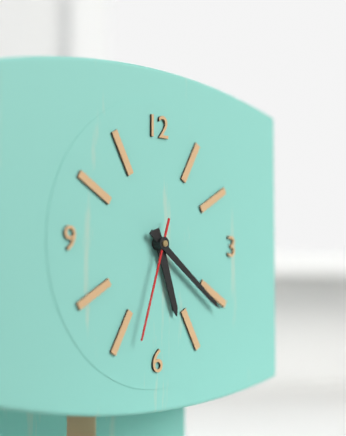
h=5 m=21 s=33
